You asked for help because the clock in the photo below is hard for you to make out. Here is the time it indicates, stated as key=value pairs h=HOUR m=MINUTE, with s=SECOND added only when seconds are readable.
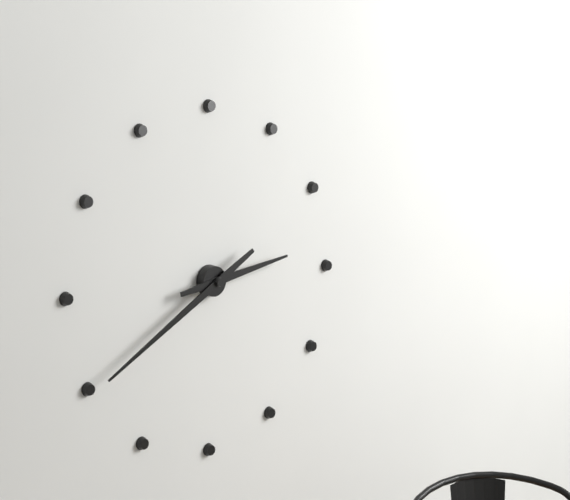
h=2 m=40
